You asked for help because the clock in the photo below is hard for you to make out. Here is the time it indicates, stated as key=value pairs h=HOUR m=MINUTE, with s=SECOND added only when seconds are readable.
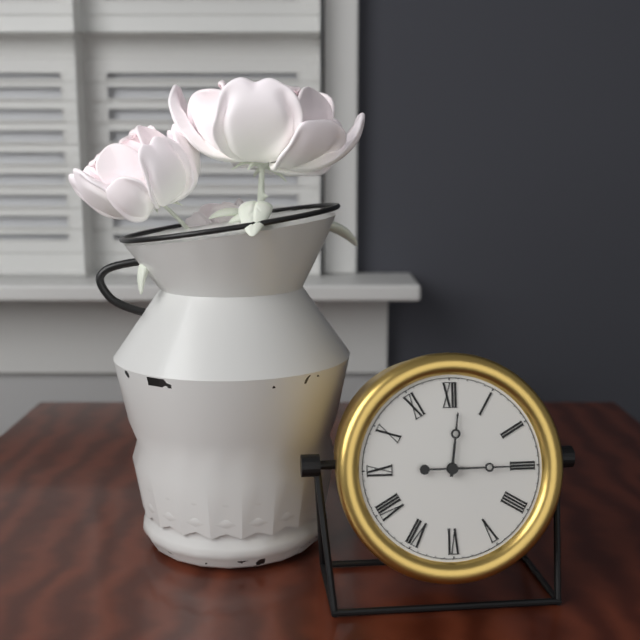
h=12 m=15
